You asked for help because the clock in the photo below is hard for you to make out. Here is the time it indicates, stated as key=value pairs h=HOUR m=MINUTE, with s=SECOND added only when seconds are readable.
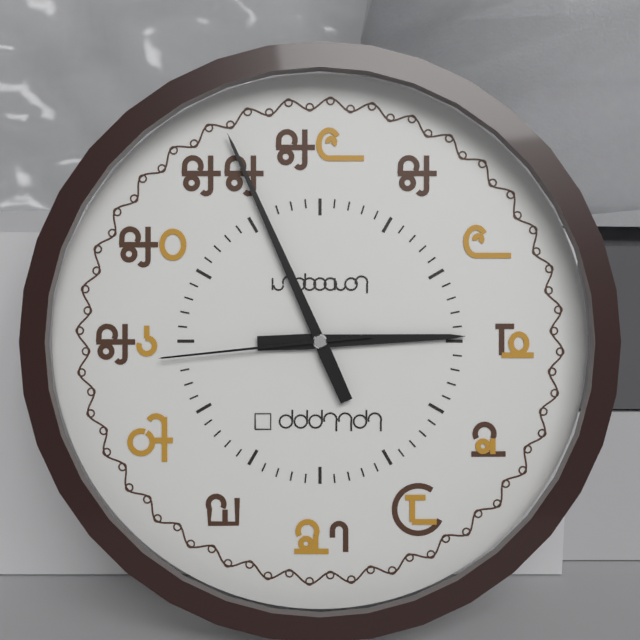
h=2 m=56 s=44
